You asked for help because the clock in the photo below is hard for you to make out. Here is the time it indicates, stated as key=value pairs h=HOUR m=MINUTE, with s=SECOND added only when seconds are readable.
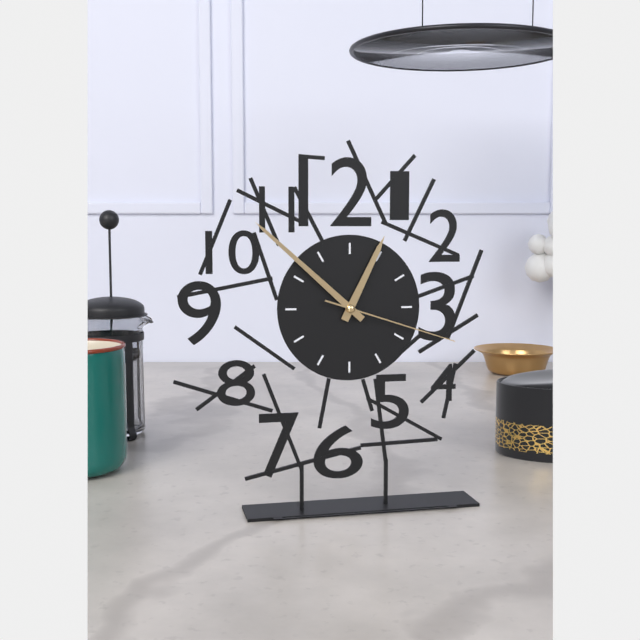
h=12 m=52 s=18
